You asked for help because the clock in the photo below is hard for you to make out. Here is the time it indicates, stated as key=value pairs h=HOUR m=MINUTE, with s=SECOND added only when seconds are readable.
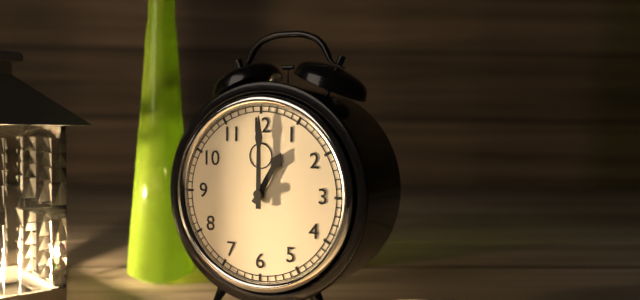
h=1 m=0
